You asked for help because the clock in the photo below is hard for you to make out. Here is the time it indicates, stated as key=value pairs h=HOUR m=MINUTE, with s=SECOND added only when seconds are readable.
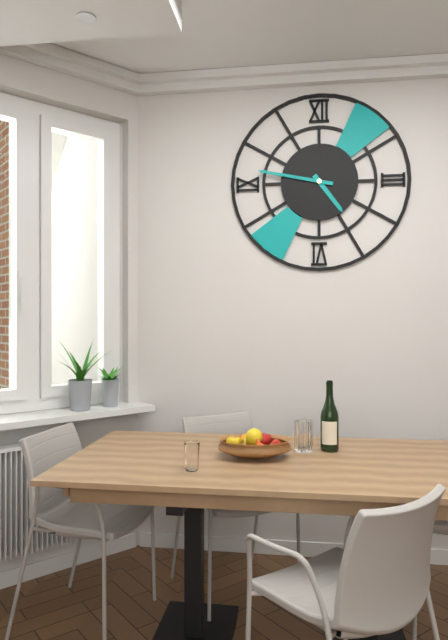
h=4 m=47
